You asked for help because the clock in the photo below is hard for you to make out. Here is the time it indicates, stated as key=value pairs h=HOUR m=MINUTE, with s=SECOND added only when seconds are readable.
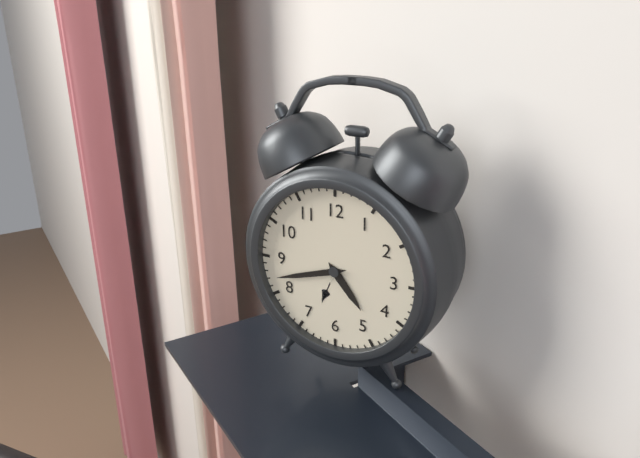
h=4 m=42
